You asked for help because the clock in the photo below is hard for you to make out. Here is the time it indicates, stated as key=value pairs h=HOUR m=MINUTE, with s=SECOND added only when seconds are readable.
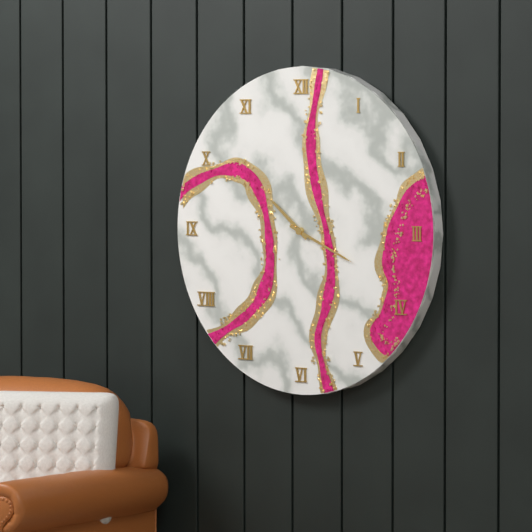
h=10 m=19
